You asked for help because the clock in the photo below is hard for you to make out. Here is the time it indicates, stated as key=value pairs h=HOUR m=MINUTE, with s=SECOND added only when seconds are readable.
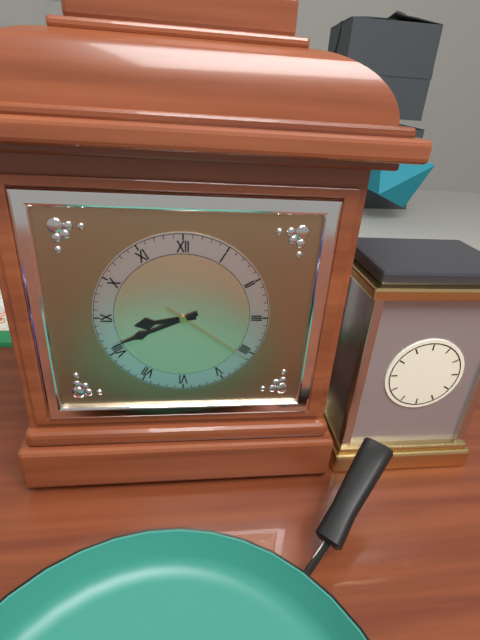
h=8 m=41 s=21
